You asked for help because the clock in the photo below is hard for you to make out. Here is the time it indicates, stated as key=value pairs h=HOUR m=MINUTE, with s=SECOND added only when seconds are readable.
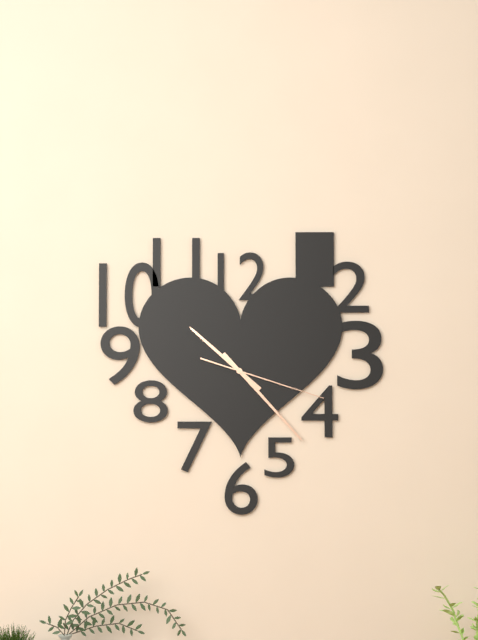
h=10 m=23 s=18
